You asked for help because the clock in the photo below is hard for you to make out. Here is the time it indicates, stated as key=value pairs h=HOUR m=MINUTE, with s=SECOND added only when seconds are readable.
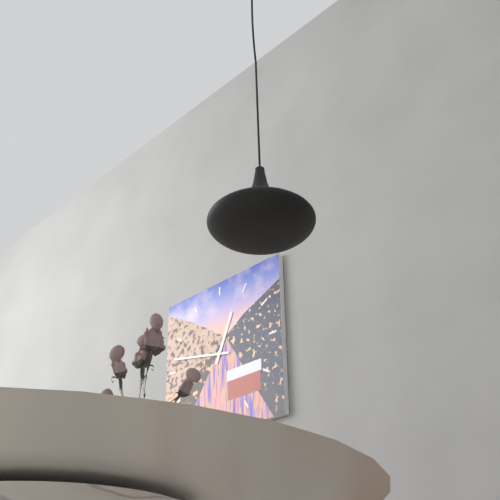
h=12 m=47
